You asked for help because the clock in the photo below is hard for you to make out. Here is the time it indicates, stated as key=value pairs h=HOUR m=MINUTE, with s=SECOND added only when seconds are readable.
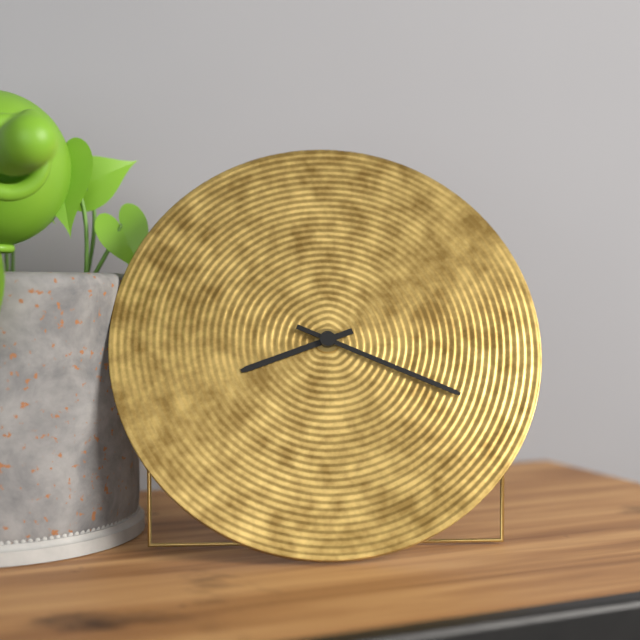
h=8 m=19
